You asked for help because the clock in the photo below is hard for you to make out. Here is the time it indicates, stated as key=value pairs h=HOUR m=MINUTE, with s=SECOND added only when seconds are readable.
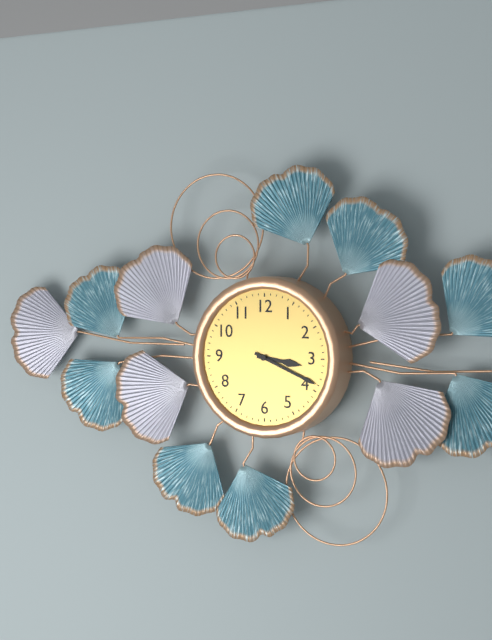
h=3 m=19
